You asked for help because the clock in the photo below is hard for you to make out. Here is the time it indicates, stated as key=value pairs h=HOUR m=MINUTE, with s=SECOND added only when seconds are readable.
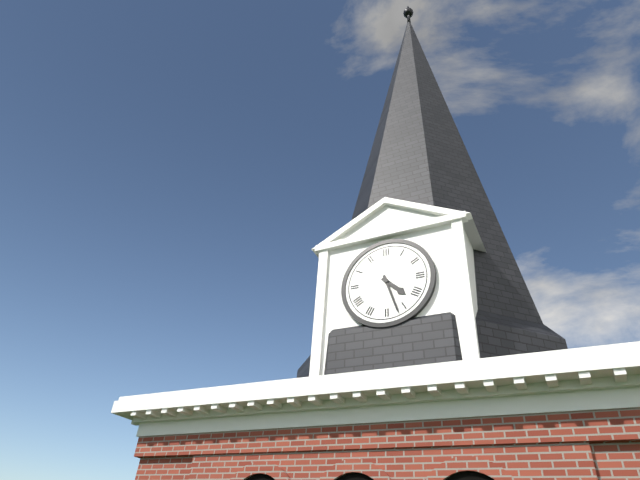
h=4 m=27
